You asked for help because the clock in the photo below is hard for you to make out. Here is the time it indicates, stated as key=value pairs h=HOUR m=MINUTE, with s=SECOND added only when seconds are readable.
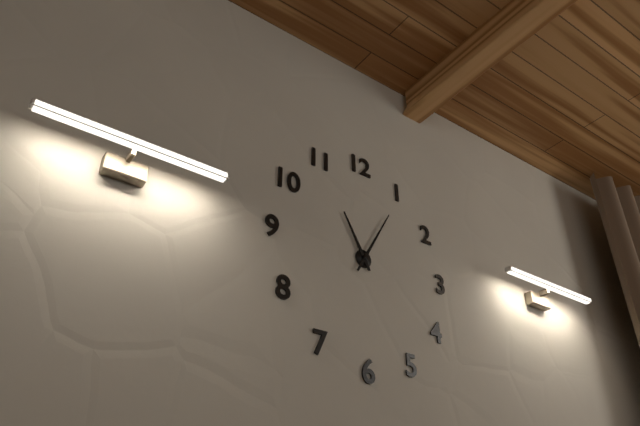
h=11 m=5
